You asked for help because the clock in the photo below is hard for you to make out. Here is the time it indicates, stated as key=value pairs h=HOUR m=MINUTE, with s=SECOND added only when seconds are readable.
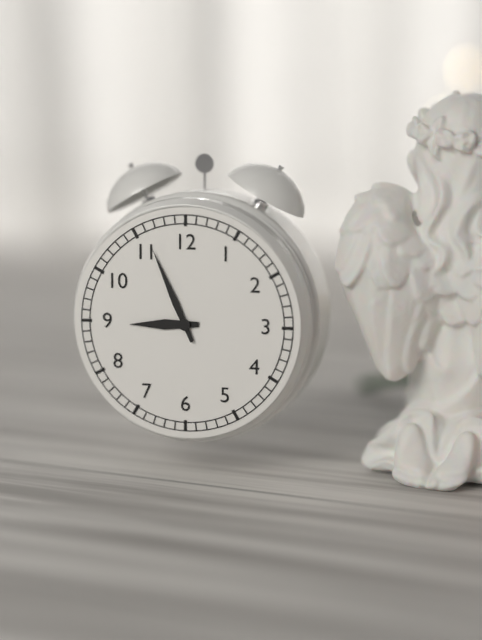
h=8 m=56
